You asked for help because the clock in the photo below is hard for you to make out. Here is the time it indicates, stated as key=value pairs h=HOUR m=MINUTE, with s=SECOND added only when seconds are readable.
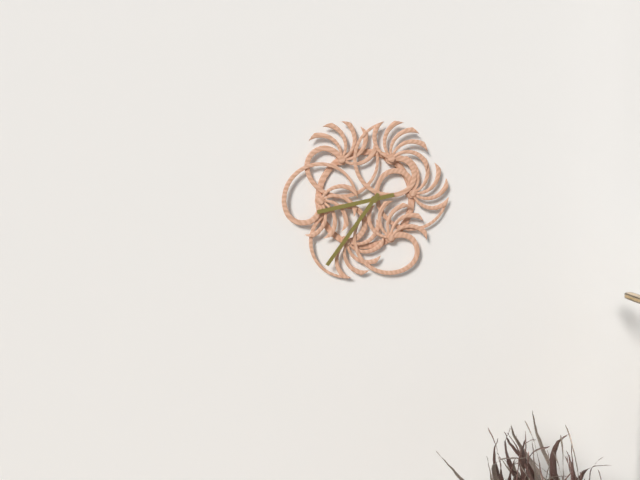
h=8 m=36
